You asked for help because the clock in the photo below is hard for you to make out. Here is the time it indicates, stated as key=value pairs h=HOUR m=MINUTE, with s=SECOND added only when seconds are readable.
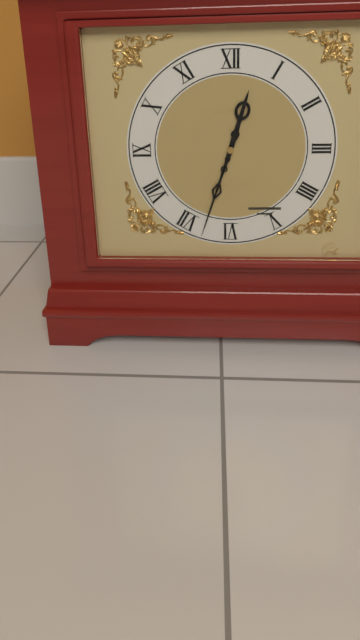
h=12 m=33
